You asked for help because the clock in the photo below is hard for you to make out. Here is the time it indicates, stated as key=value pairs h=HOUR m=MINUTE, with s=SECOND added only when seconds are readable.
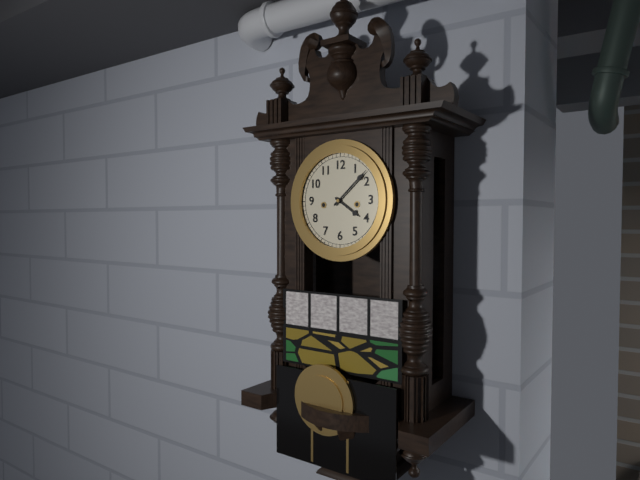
h=4 m=8
